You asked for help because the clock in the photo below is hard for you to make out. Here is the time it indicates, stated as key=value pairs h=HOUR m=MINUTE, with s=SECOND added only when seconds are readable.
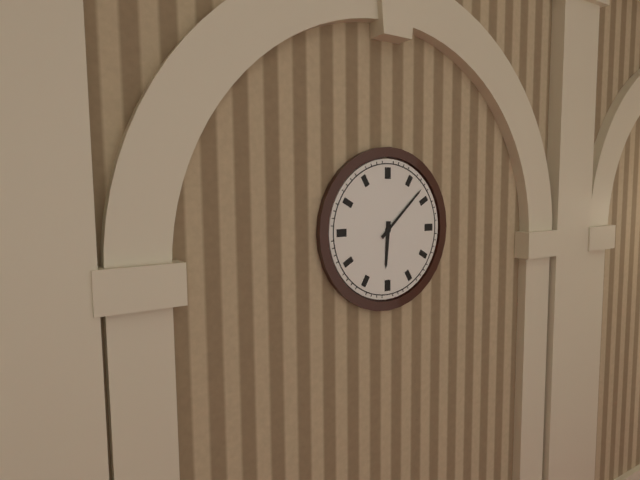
h=6 m=8
